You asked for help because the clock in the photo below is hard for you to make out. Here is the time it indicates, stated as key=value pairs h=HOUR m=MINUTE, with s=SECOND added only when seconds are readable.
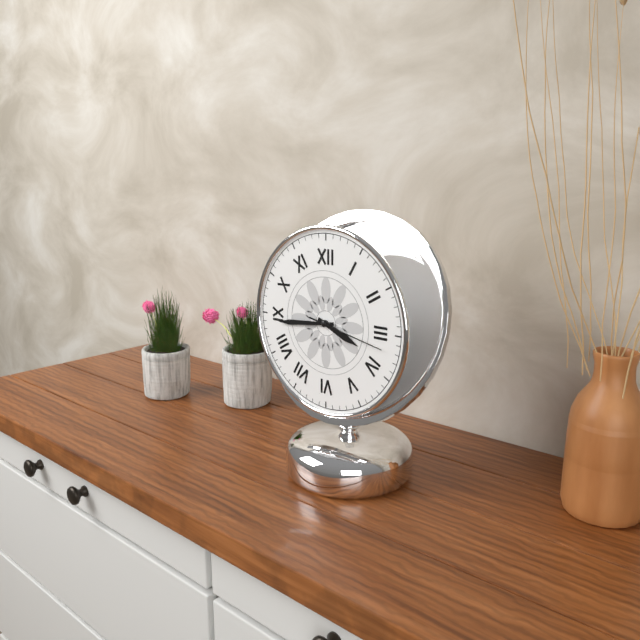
h=3 m=44 s=17
